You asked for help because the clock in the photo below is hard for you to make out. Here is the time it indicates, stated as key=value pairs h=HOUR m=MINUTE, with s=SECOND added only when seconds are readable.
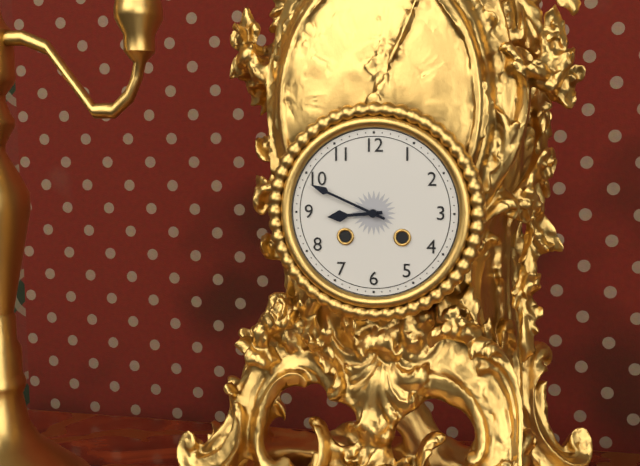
h=8 m=49
